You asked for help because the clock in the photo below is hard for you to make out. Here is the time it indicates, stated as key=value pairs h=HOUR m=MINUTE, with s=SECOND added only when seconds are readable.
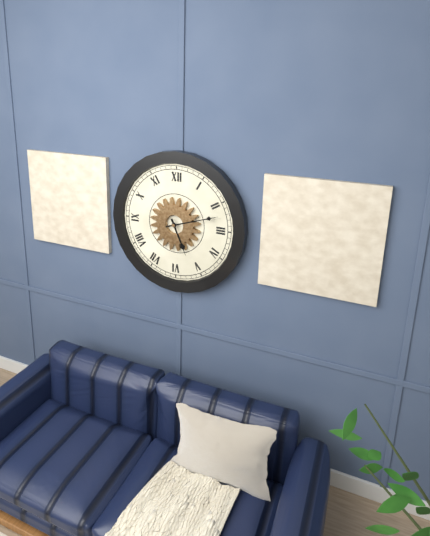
h=5 m=12
